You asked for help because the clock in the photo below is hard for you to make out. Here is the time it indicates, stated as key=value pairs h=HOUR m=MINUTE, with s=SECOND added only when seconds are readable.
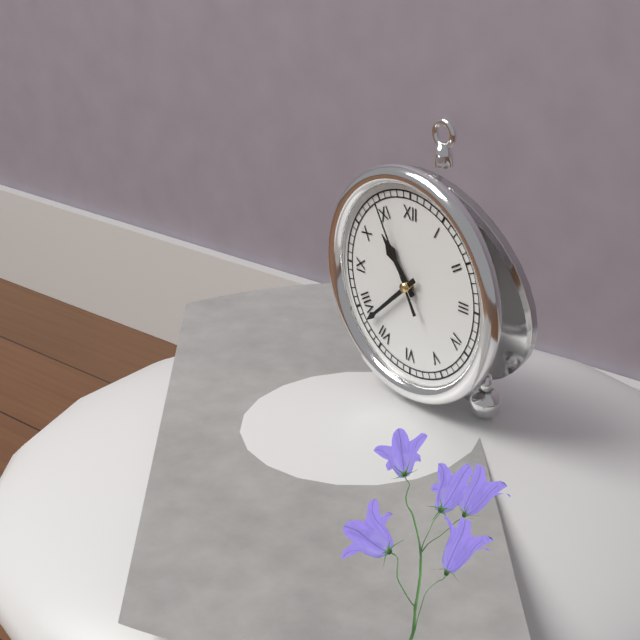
h=10 m=38 s=55
